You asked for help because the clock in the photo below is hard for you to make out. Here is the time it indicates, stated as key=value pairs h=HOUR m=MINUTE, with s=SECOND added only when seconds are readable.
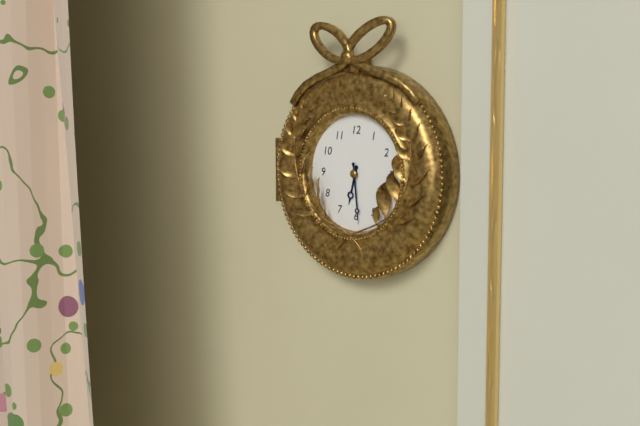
h=6 m=29
